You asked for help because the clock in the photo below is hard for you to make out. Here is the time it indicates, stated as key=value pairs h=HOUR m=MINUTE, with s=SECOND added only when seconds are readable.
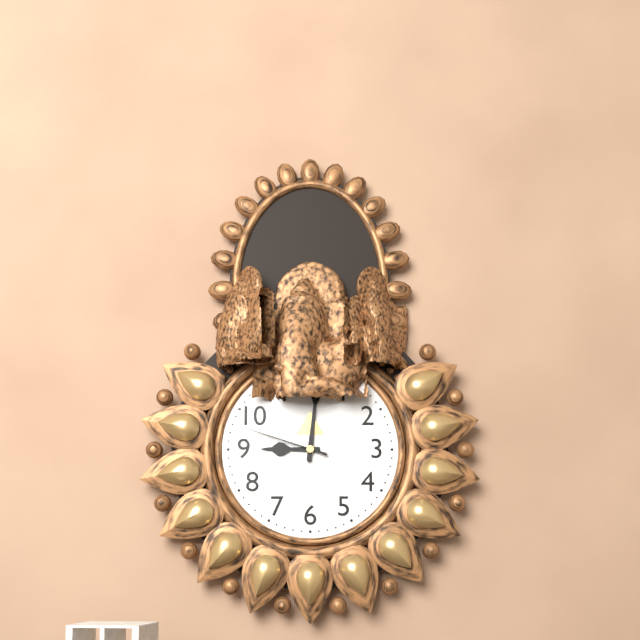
h=9 m=1 s=48
